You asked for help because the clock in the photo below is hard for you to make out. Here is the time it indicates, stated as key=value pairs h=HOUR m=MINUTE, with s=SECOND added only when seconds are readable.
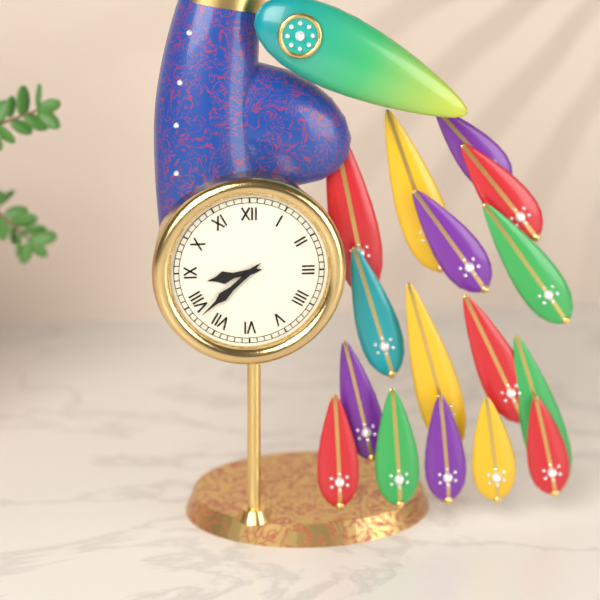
h=8 m=38
